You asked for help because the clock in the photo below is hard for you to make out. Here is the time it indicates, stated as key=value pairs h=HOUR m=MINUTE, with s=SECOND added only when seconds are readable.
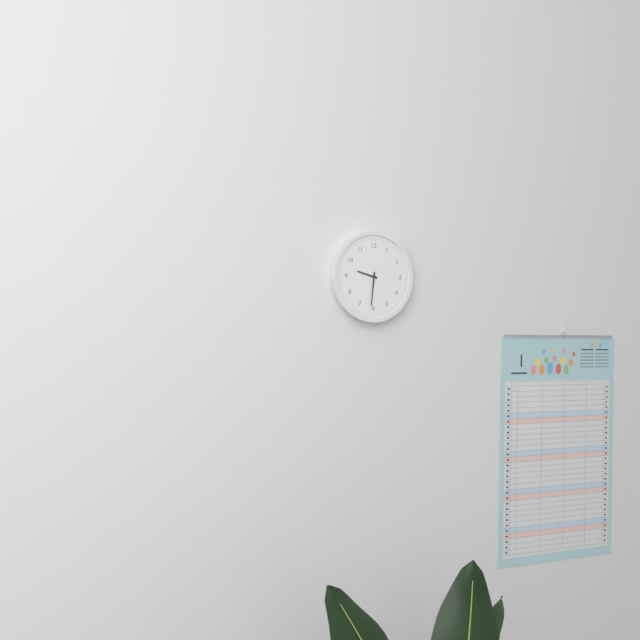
h=9 m=31
